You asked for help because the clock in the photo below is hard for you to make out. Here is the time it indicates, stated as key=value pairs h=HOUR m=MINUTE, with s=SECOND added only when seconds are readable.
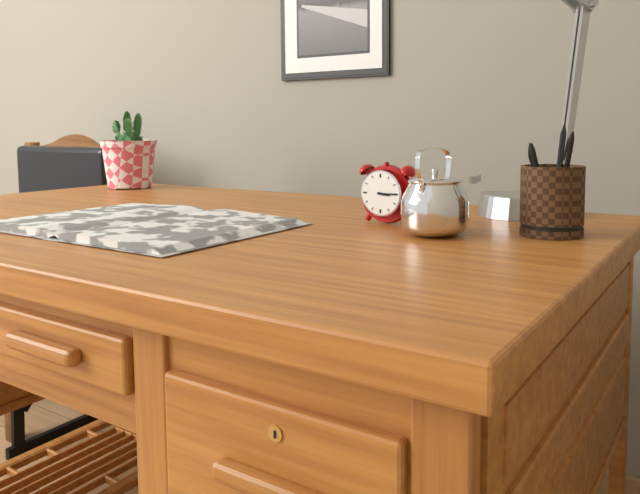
h=3 m=15
